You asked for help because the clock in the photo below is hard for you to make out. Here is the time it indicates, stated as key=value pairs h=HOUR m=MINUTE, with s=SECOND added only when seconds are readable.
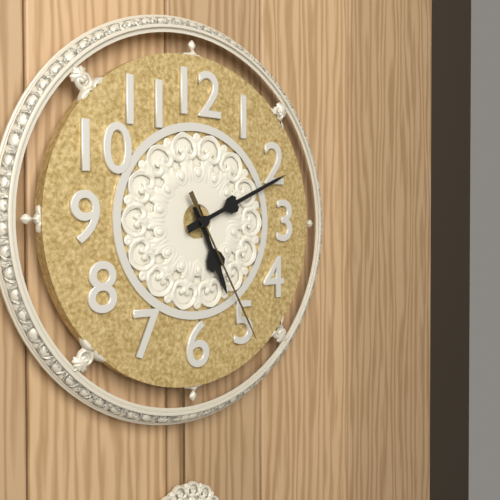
h=5 m=11 s=25
